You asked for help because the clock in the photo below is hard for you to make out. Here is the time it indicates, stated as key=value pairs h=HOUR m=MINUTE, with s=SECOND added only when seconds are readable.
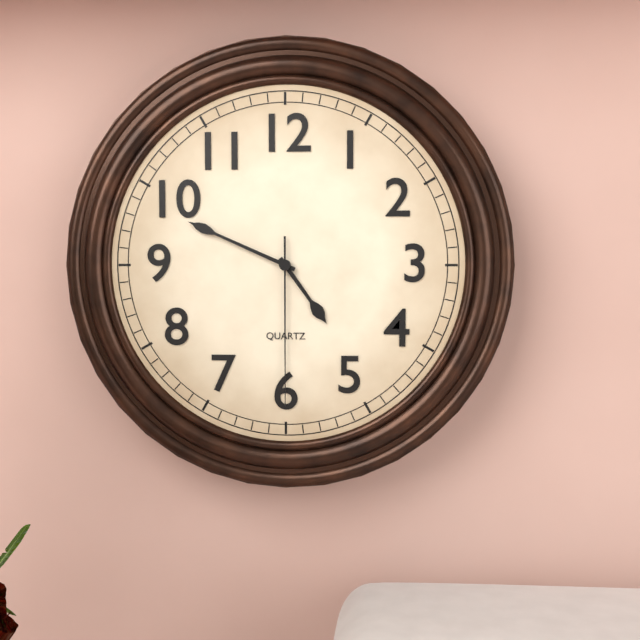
h=4 m=49 s=30
